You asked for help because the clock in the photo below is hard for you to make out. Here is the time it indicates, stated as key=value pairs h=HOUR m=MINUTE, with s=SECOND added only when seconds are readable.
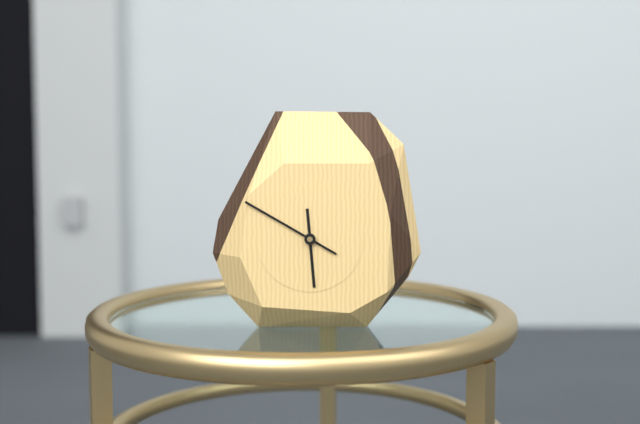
h=5 m=50
